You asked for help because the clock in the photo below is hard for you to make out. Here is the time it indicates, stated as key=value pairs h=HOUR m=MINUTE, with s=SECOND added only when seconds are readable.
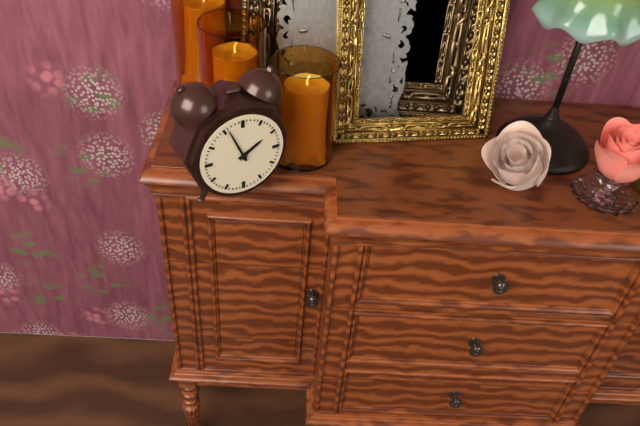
h=1 m=56
